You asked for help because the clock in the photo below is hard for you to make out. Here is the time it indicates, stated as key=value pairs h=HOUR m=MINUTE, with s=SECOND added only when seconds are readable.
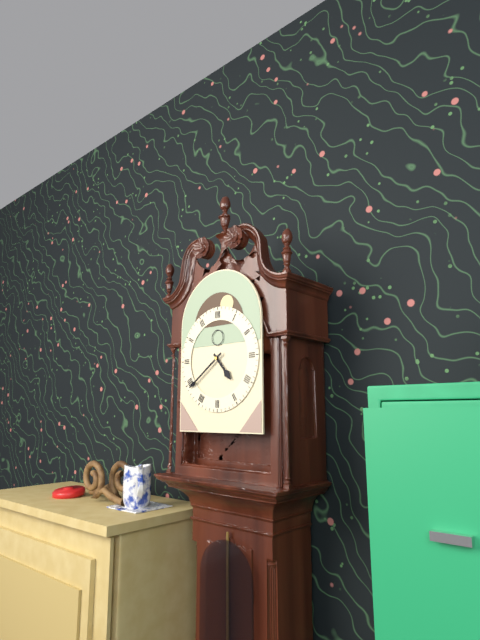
h=4 m=39
